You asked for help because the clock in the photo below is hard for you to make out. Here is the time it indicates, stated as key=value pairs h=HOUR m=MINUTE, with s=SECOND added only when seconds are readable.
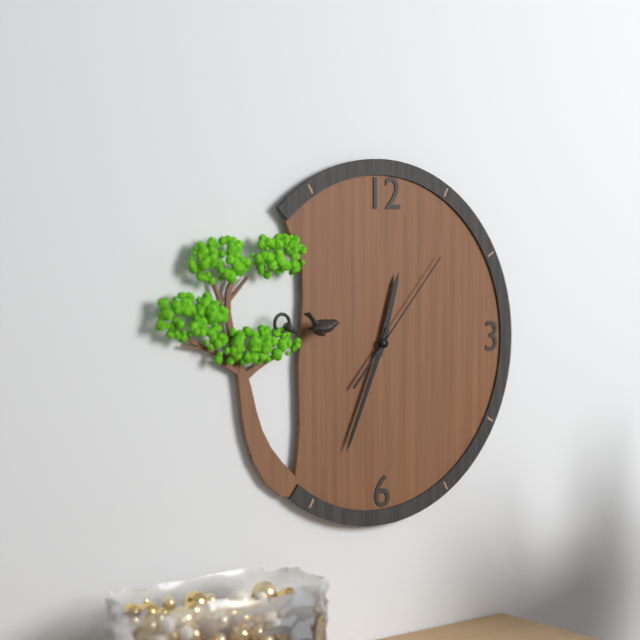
h=12 m=34 s=7
